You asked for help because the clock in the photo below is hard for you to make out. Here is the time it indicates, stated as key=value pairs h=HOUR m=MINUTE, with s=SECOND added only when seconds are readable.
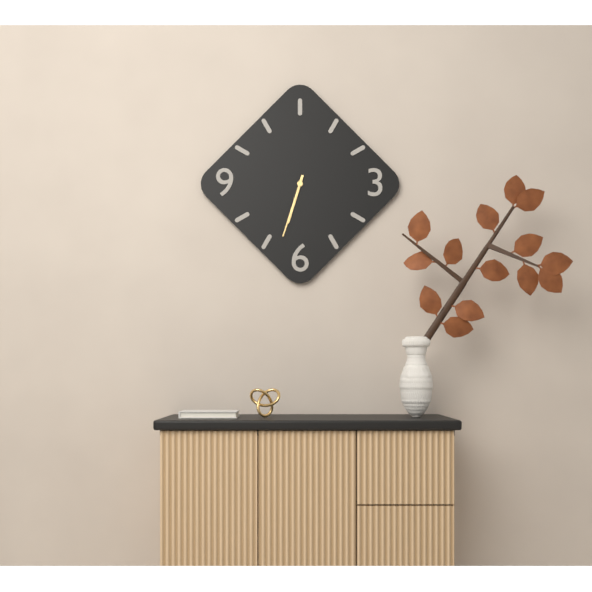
h=6 m=33
